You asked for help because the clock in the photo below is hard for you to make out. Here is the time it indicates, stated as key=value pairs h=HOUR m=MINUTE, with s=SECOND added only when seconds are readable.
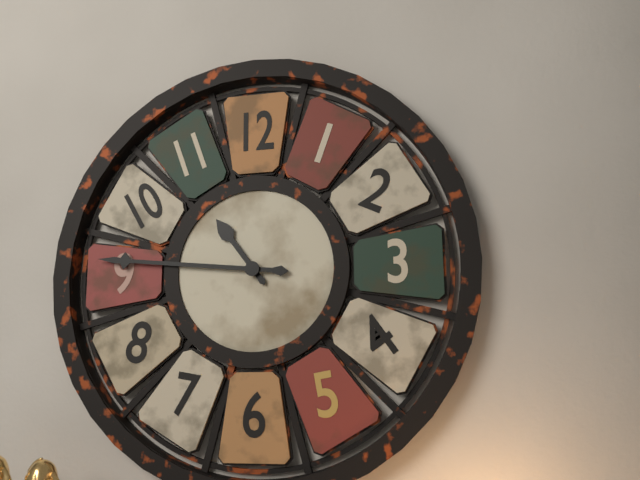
h=10 m=46
